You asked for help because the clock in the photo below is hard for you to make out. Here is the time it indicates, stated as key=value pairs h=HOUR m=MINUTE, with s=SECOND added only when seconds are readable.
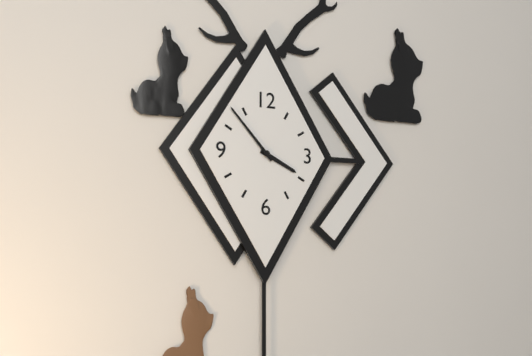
h=3 m=53
